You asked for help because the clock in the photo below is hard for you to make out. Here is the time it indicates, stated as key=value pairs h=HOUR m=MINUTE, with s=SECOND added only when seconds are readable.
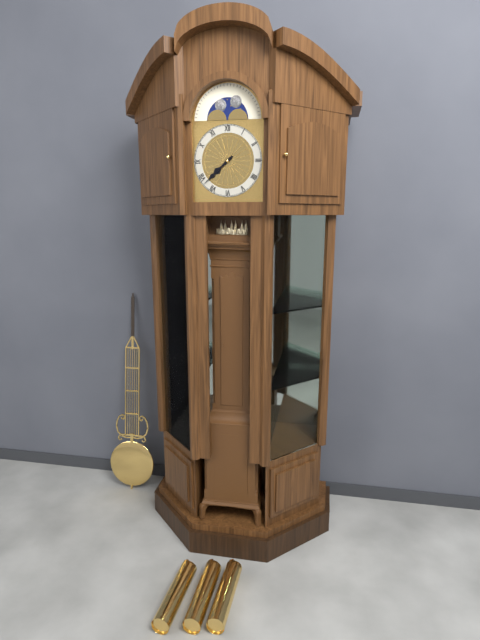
h=7 m=38
